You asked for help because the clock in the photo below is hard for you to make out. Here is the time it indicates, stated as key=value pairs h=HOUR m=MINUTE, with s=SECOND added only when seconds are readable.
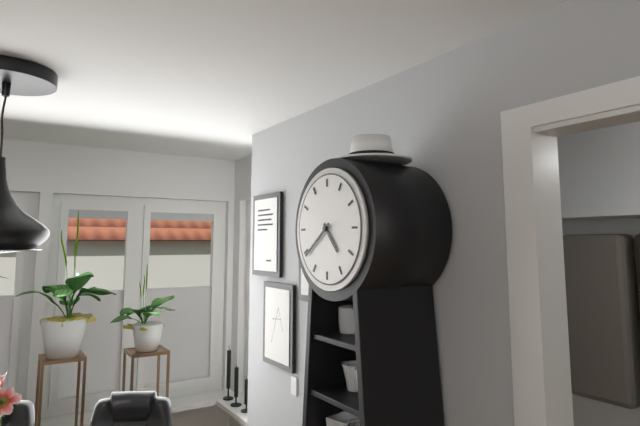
h=4 m=39
